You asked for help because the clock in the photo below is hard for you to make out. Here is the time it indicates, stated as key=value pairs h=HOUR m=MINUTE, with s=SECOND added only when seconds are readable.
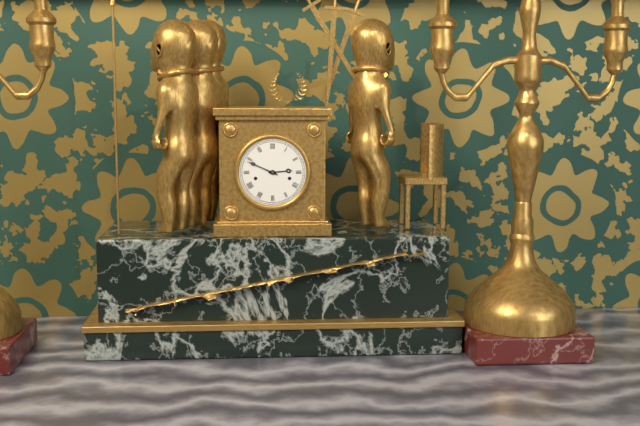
h=2 m=49
